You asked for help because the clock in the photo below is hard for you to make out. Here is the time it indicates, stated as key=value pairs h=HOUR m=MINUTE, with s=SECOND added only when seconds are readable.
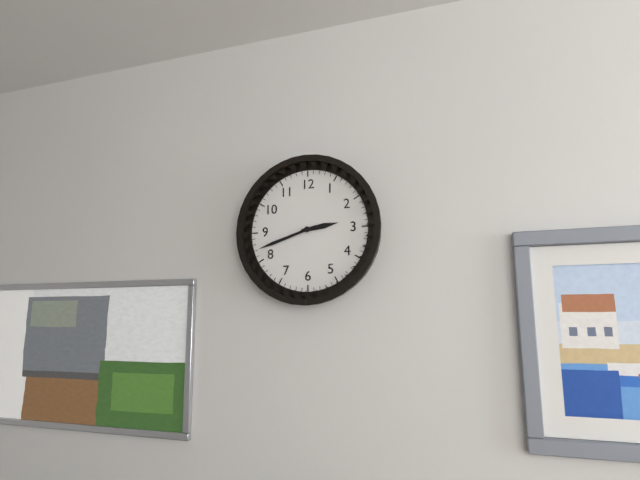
h=2 m=42
